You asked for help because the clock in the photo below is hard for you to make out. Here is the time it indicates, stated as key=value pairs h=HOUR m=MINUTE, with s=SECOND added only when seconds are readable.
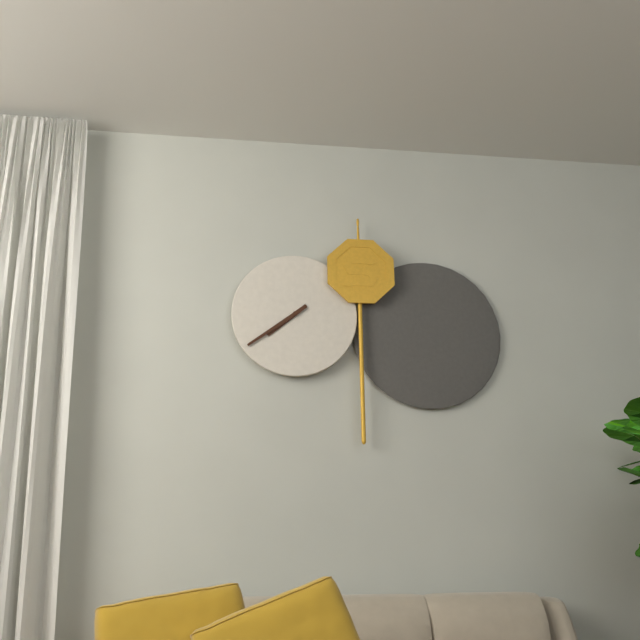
h=7 m=39
